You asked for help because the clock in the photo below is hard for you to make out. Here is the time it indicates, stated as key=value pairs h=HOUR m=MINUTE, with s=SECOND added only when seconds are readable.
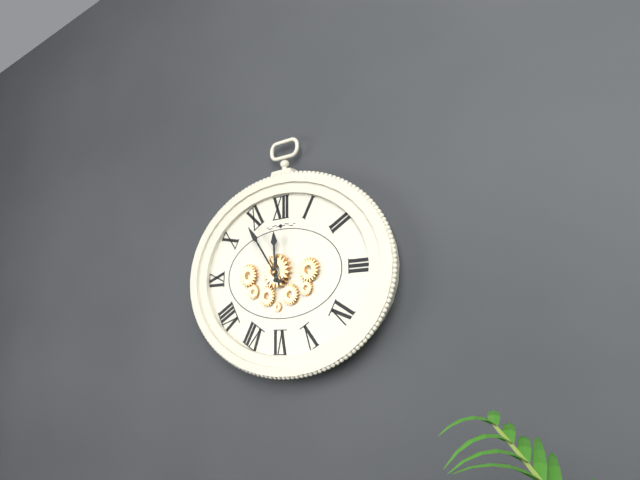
h=11 m=54
